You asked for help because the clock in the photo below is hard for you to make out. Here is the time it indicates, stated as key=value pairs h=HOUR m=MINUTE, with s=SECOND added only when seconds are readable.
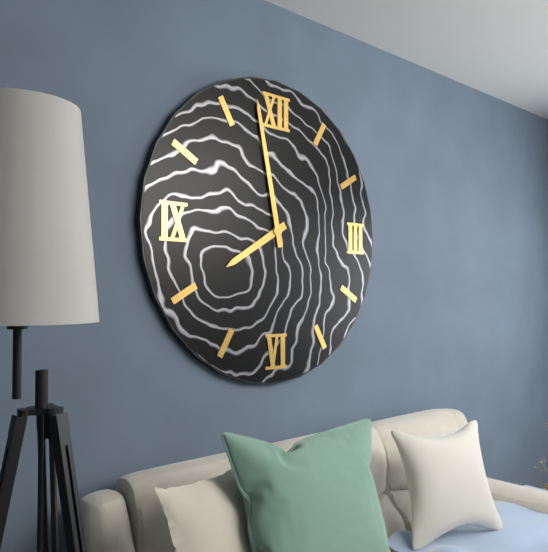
h=7 m=58
